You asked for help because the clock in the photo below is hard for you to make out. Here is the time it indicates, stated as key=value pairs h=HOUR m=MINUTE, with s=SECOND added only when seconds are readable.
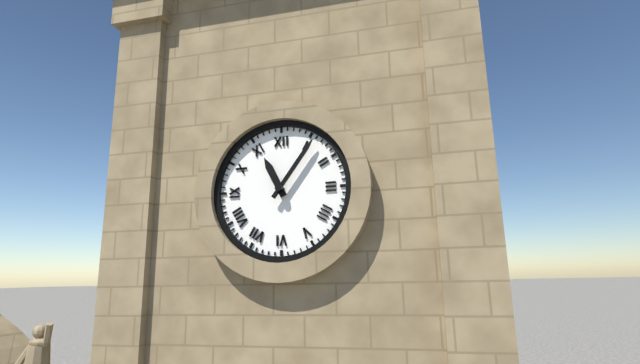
h=11 m=6
